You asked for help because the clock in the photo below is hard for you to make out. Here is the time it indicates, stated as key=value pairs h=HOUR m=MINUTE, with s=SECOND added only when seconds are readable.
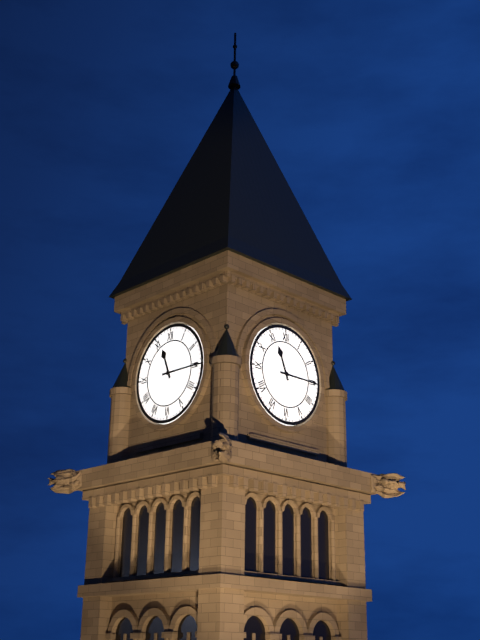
h=11 m=15
